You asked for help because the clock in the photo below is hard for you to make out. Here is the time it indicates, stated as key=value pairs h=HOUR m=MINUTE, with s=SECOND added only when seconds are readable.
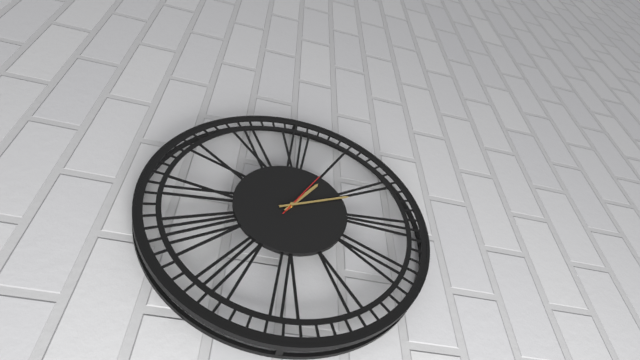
h=1 m=11 s=5
